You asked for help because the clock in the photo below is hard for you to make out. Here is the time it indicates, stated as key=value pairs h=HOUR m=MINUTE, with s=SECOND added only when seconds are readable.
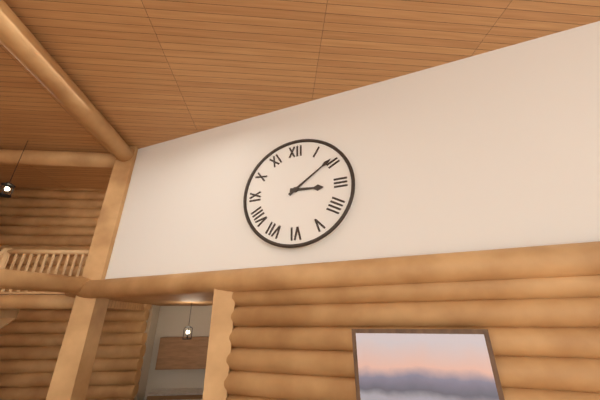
h=3 m=9
